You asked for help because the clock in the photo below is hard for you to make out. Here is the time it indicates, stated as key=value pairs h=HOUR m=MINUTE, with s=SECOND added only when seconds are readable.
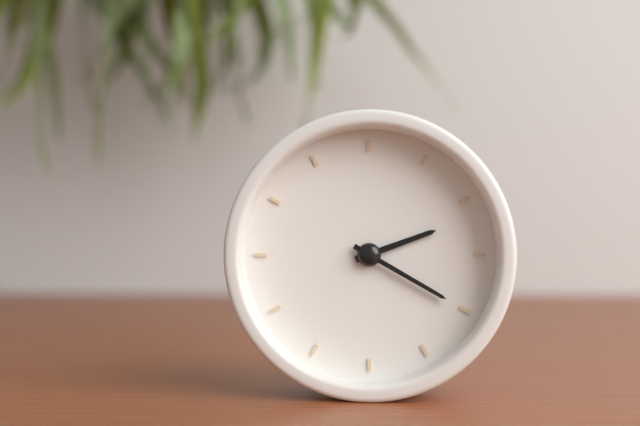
h=2 m=20
